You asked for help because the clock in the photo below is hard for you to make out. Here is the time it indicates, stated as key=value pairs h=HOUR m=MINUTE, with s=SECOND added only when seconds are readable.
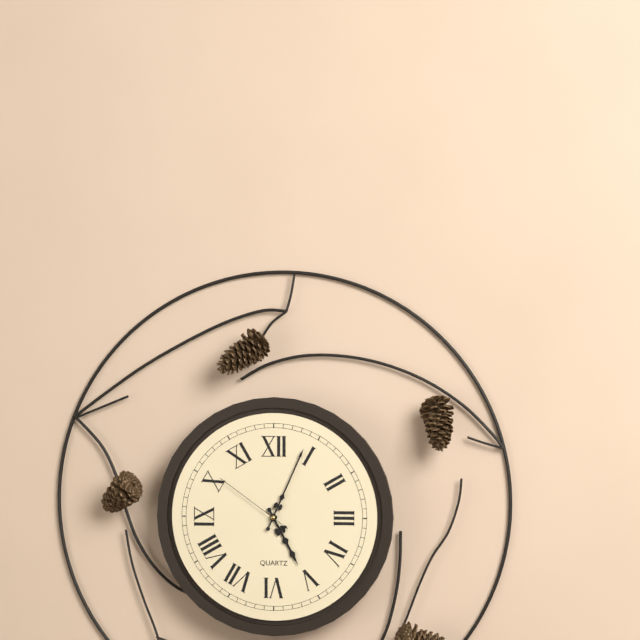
h=5 m=4 s=51
